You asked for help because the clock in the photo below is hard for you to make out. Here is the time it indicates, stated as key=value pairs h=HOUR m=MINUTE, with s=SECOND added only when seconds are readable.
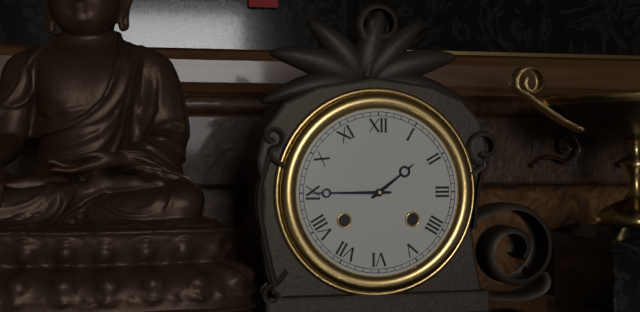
h=1 m=45
